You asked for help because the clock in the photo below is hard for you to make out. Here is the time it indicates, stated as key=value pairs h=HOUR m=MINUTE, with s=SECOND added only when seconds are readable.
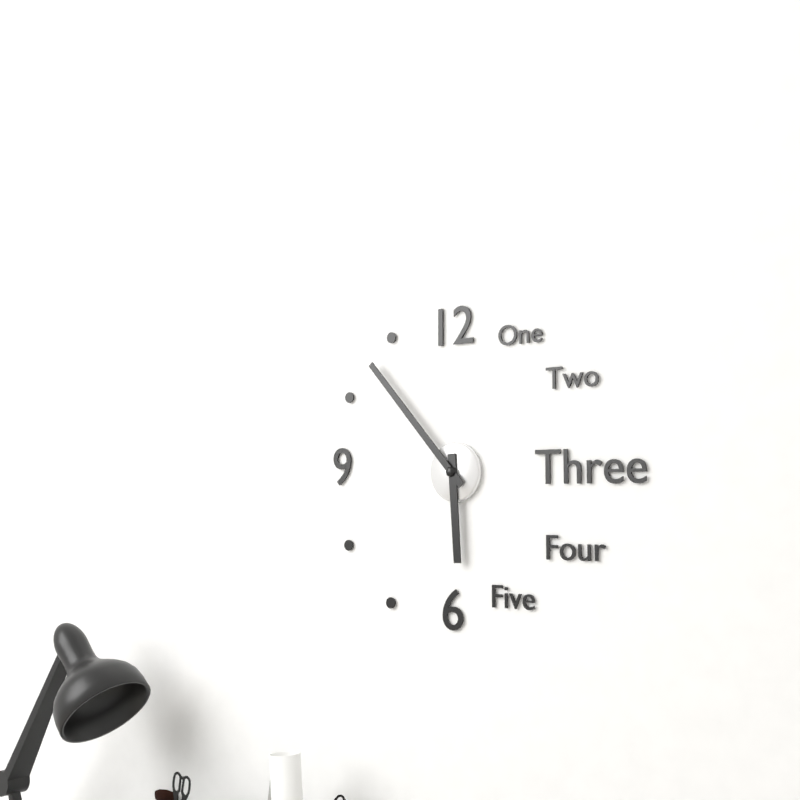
h=5 m=53
